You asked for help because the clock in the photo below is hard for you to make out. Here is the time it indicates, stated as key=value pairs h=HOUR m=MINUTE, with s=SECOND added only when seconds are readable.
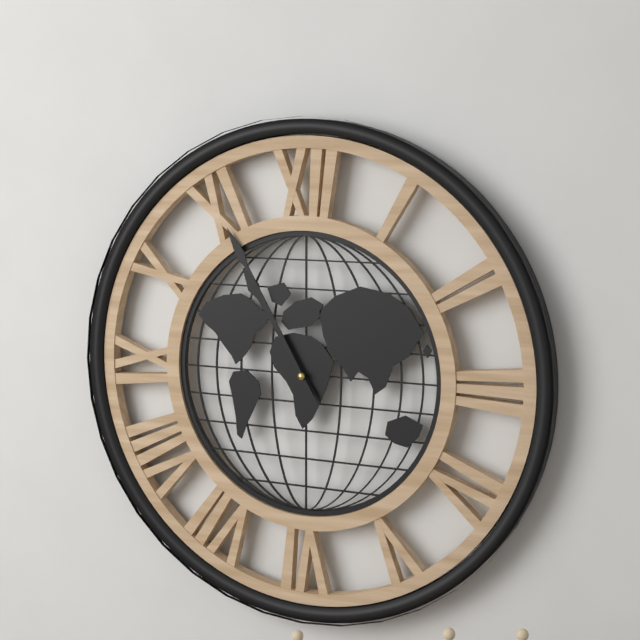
h=10 m=55
